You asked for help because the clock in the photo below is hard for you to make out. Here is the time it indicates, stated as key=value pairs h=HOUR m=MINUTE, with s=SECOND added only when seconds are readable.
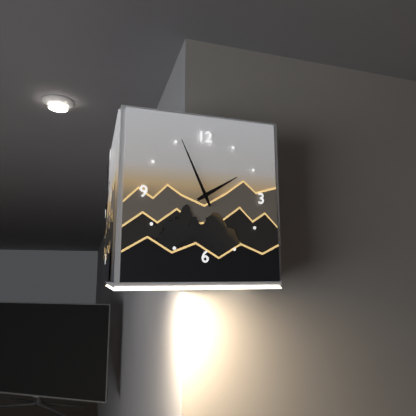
h=1 m=56
